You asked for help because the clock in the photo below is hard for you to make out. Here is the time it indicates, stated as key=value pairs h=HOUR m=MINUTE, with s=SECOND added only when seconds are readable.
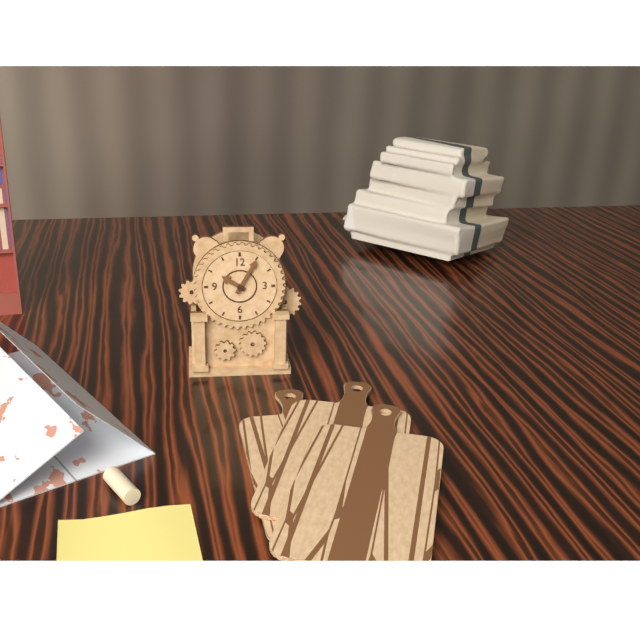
h=10 m=5
